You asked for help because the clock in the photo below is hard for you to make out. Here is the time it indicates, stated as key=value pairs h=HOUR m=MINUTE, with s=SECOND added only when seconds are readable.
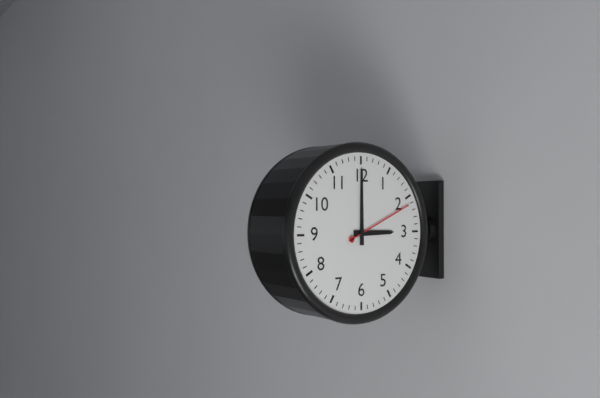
h=3 m=0 s=11
